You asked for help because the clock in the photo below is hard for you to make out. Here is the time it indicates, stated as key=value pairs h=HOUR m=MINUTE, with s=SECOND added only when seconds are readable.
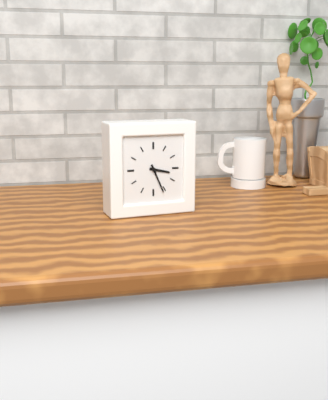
h=3 m=26
